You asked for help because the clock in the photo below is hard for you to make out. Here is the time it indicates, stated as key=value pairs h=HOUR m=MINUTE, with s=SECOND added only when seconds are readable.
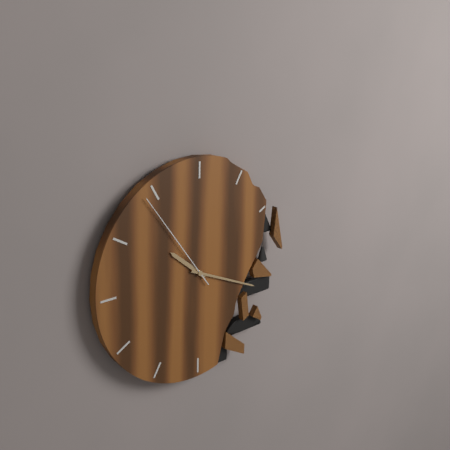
h=10 m=19 s=54
